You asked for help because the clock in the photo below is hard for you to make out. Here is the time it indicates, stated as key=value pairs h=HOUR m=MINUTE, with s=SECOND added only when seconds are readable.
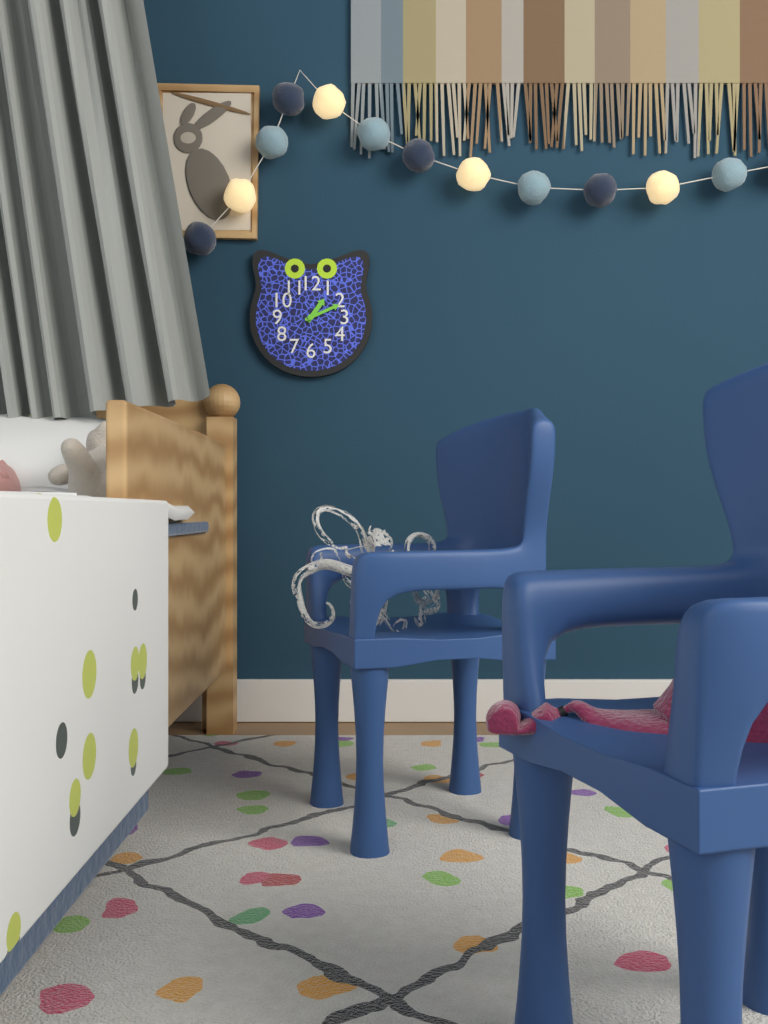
h=1 m=11
